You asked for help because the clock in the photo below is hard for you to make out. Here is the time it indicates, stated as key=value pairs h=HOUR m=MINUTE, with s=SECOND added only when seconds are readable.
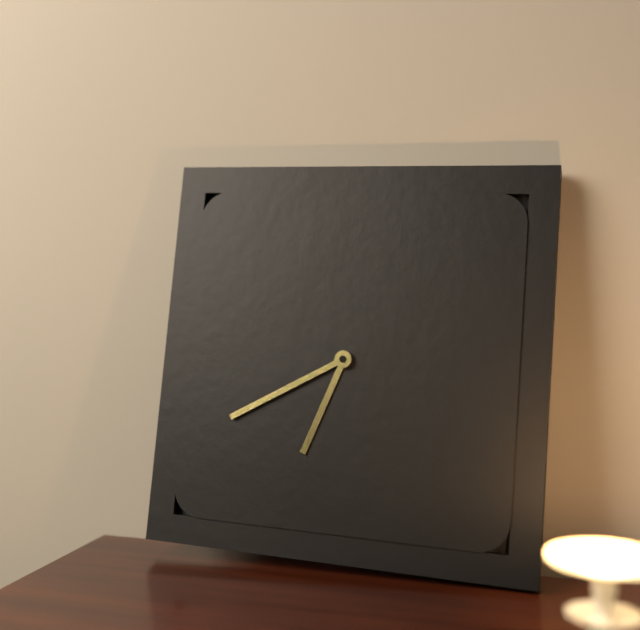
h=6 m=40
